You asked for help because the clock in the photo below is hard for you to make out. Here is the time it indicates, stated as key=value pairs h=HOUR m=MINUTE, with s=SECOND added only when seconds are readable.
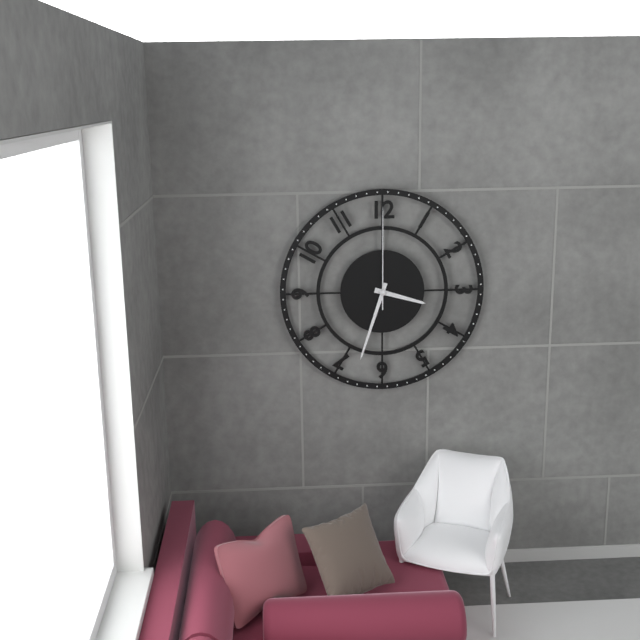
h=3 m=33 s=0
